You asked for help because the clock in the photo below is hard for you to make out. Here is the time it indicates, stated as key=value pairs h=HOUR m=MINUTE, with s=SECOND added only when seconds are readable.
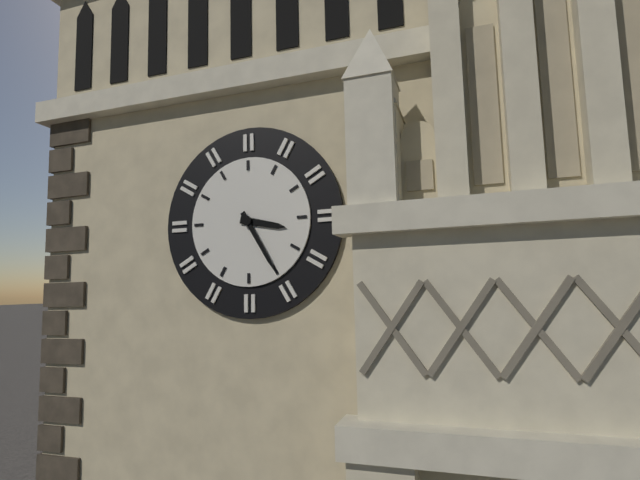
h=3 m=25
